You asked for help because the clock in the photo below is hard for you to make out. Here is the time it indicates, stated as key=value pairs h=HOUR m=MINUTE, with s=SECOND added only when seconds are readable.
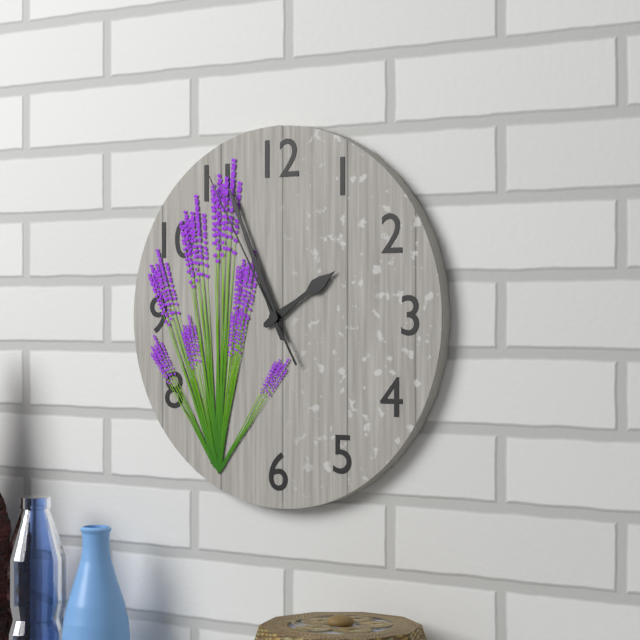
h=1 m=56 s=55
